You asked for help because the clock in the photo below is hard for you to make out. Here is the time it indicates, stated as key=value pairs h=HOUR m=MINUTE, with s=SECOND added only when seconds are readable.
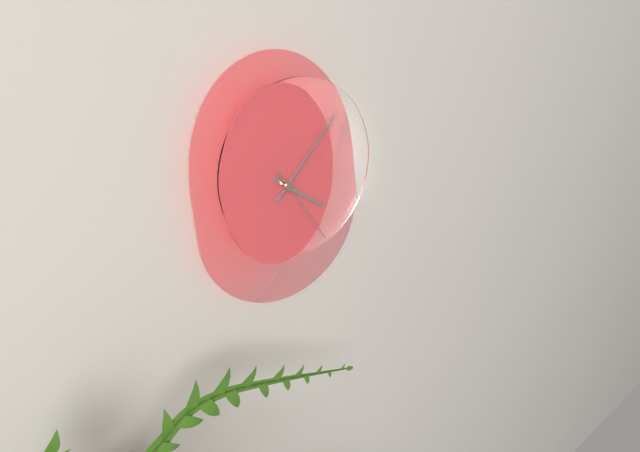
h=4 m=7 s=24
